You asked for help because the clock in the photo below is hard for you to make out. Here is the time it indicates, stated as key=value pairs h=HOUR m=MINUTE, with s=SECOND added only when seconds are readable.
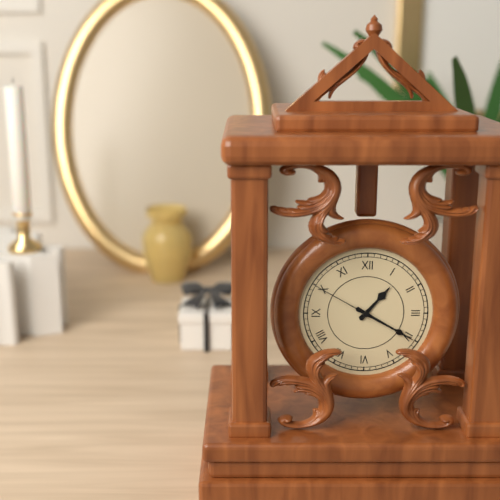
h=1 m=20 s=50
